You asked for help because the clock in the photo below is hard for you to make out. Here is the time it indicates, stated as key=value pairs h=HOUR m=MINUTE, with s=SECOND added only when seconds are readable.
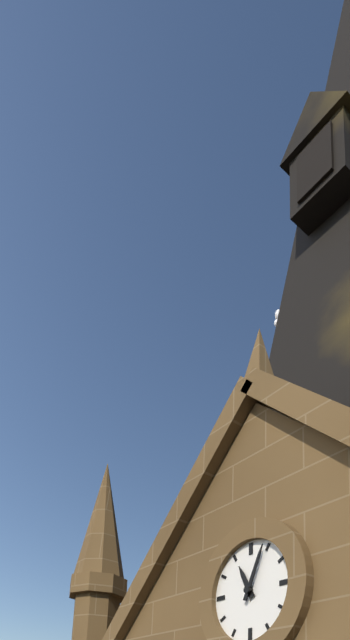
h=11 m=4
